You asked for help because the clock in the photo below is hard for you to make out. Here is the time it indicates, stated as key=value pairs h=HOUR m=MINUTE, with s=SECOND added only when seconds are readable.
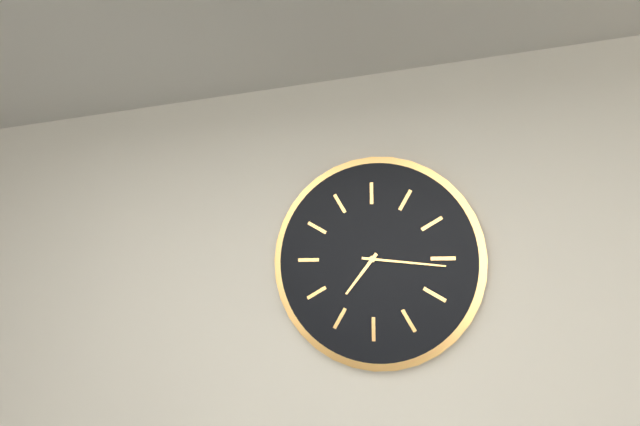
h=7 m=16
